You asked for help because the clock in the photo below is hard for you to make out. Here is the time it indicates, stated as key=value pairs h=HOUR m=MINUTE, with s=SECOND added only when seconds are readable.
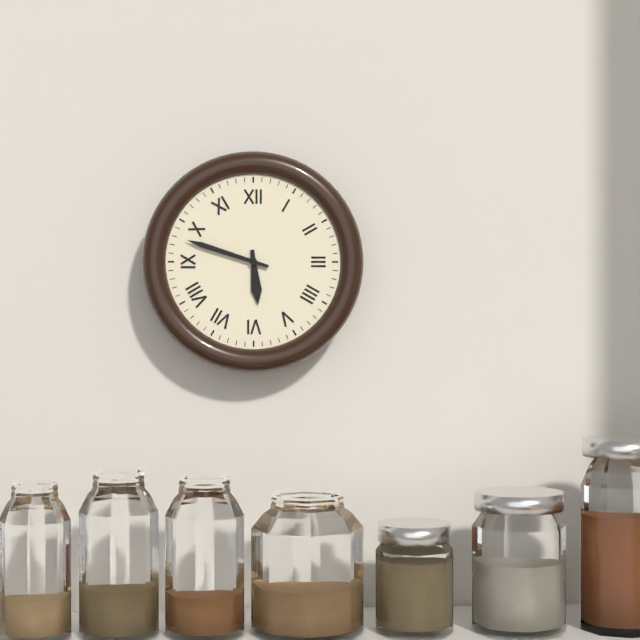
h=5 m=48
